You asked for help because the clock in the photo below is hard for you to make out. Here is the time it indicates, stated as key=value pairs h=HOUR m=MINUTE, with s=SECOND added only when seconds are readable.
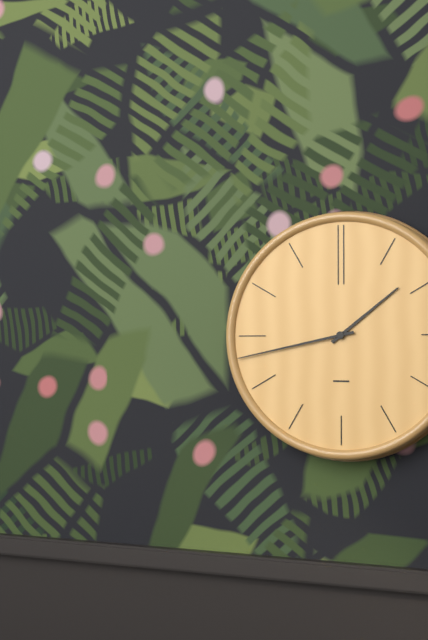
h=1 m=43
